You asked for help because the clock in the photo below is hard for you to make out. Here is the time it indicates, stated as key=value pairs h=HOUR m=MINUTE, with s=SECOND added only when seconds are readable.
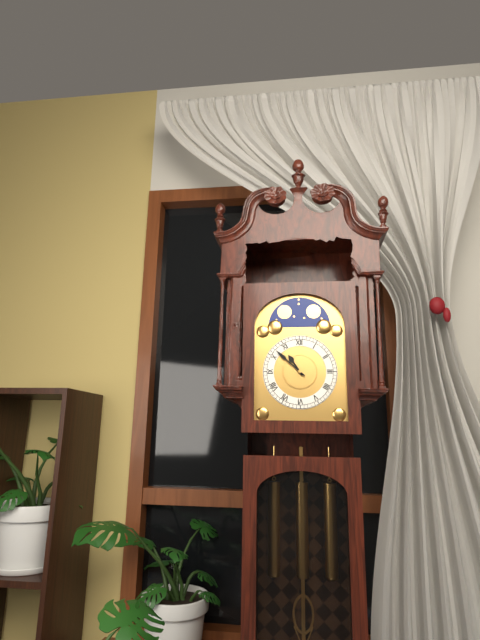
h=10 m=52
